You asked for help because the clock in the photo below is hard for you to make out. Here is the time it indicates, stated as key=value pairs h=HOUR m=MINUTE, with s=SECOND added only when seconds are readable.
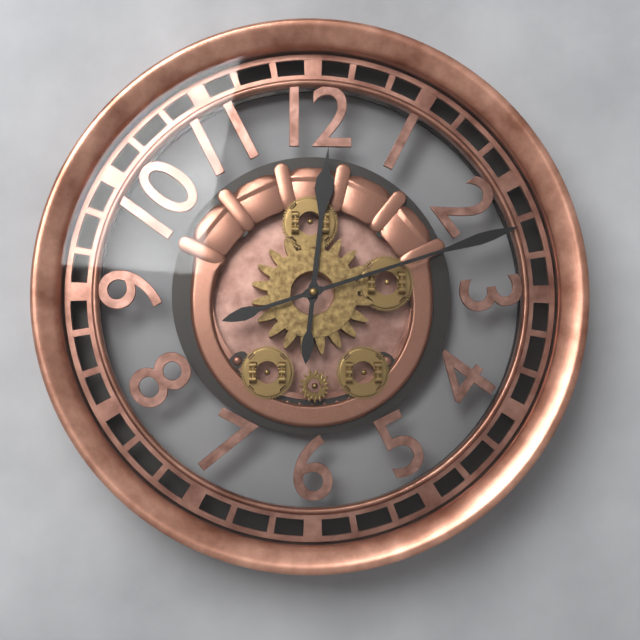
h=12 m=12
